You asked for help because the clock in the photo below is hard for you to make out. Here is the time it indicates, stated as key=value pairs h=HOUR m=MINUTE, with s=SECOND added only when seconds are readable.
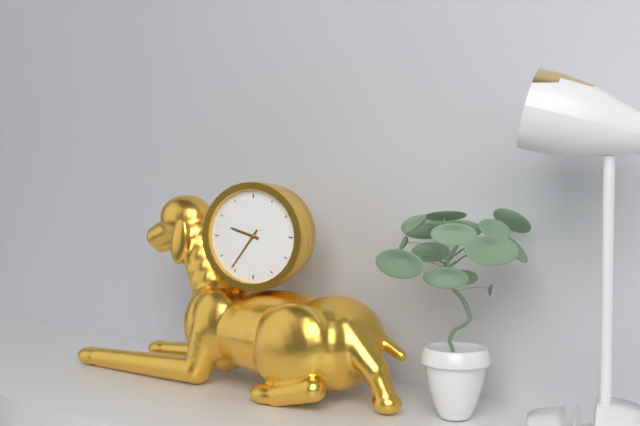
h=9 m=36
